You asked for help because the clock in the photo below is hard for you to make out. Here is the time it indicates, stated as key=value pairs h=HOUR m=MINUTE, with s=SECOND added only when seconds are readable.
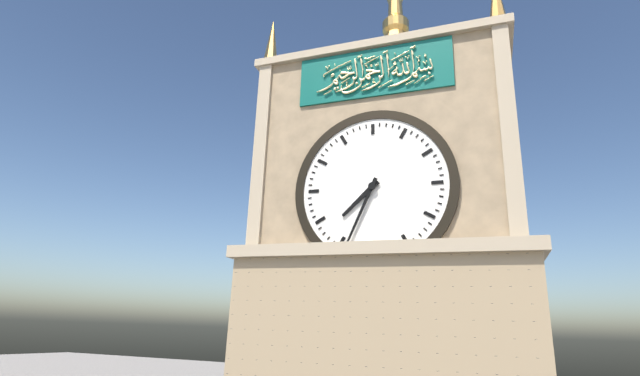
h=7 m=34
